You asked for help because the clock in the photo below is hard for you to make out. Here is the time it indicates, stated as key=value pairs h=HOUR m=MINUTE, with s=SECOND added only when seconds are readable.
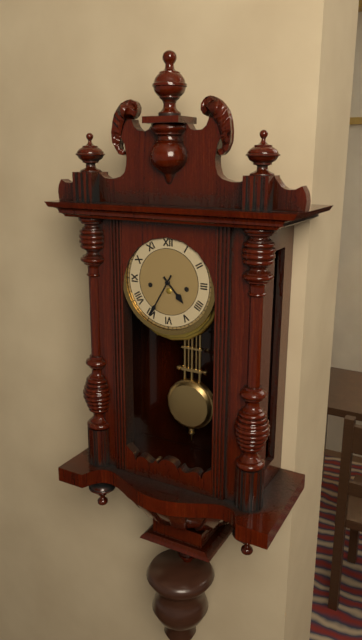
h=4 m=35
